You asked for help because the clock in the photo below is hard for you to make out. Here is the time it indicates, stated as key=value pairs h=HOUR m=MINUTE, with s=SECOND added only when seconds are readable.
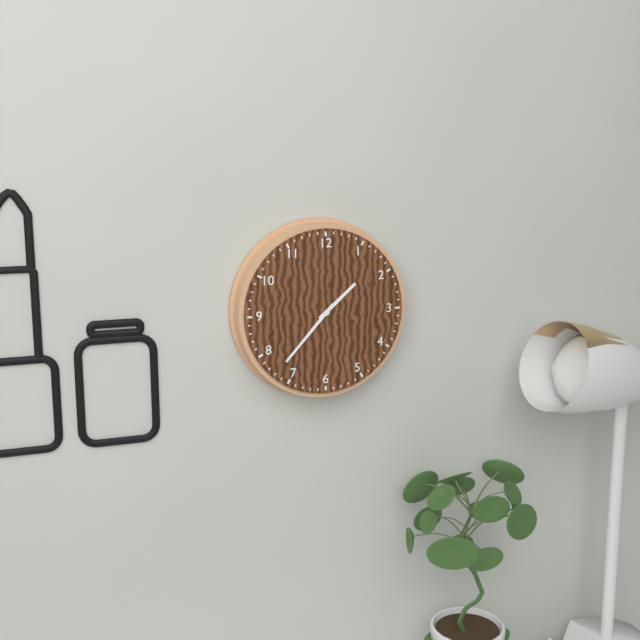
h=1 m=37
